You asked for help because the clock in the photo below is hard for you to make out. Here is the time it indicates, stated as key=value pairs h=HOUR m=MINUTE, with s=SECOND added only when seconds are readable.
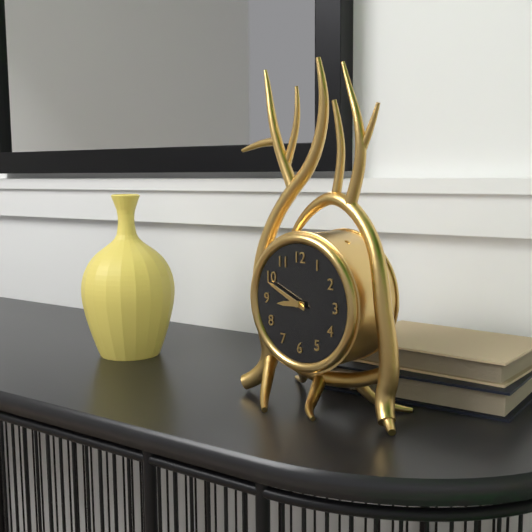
h=8 m=49
